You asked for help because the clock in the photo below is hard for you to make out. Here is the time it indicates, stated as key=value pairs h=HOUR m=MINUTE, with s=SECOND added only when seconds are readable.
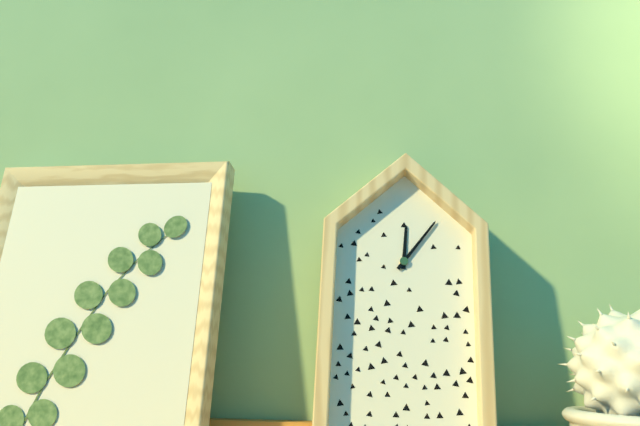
h=12 m=6
